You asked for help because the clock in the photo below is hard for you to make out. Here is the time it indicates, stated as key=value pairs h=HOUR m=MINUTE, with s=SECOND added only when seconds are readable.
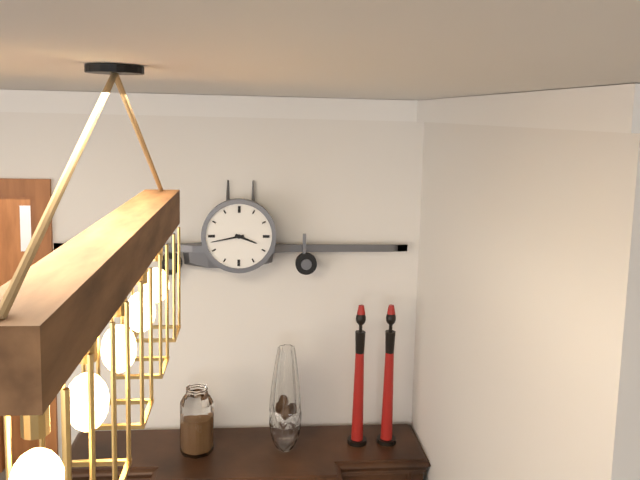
h=3 m=43
